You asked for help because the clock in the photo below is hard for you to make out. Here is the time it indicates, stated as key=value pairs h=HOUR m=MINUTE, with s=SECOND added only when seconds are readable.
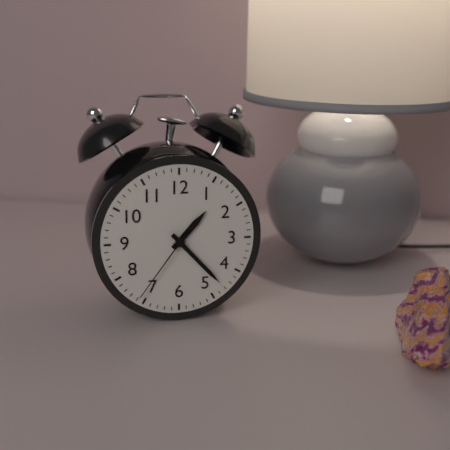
h=1 m=23 s=36
